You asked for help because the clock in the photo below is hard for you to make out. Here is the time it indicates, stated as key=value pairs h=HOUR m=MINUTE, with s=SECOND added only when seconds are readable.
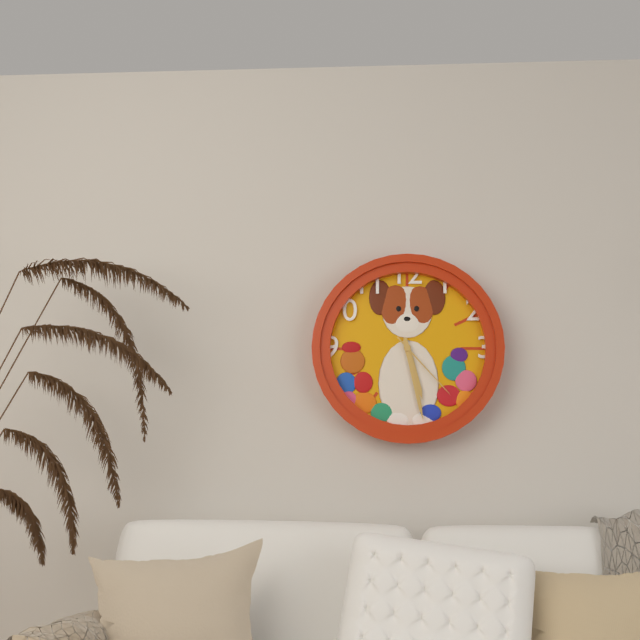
h=5 m=28 s=23
